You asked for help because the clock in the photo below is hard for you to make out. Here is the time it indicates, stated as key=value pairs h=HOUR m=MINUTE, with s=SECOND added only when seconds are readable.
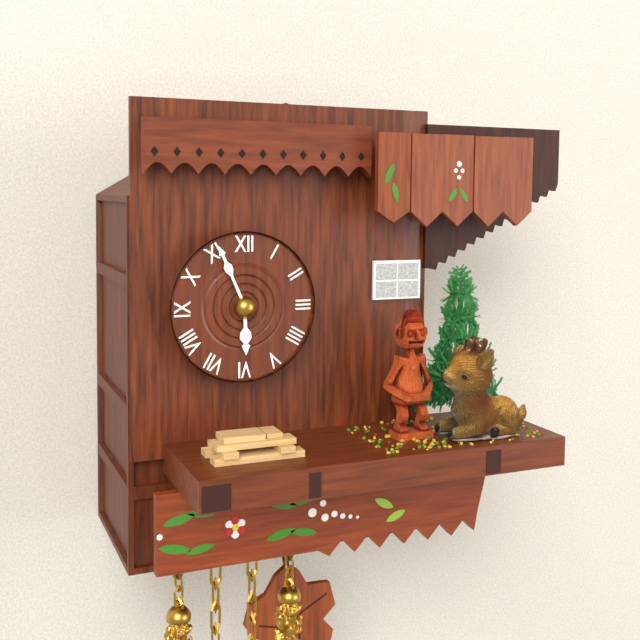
h=5 m=56
